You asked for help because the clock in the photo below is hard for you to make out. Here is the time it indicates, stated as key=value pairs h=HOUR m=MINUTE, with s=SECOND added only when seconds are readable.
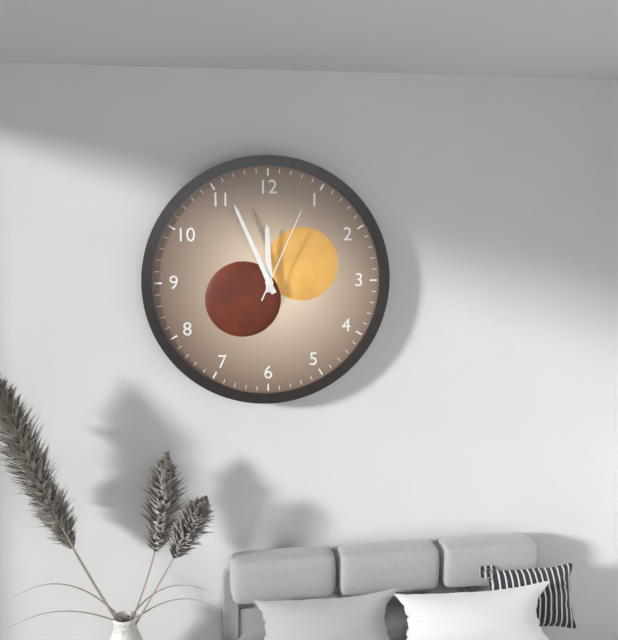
h=11 m=56 s=4
